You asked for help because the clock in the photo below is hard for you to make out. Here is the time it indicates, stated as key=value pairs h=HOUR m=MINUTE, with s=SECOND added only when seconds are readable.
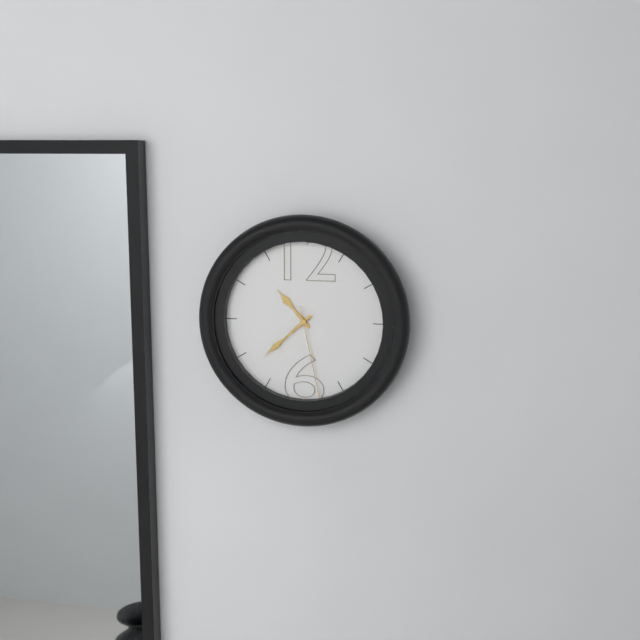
h=10 m=38 s=28
